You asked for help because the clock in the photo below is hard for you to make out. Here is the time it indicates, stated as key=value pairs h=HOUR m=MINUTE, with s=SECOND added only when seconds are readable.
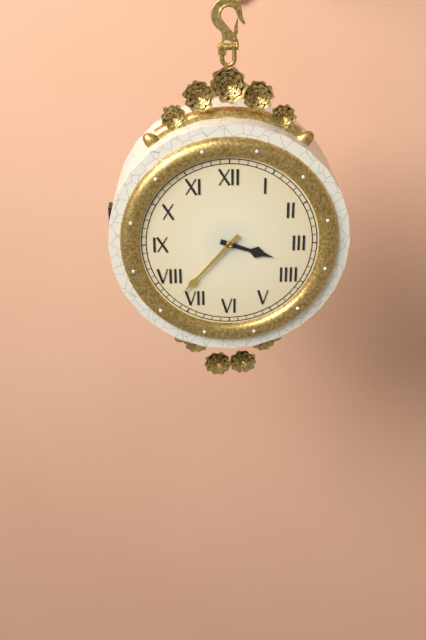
h=3 m=37
